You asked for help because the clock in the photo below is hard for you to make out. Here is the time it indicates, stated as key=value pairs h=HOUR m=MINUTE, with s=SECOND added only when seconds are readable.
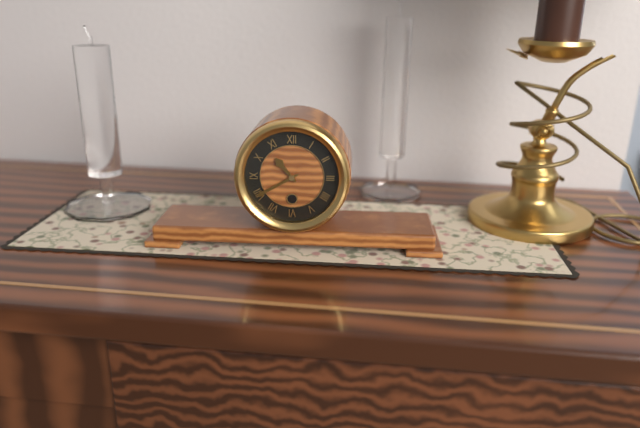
h=10 m=40
